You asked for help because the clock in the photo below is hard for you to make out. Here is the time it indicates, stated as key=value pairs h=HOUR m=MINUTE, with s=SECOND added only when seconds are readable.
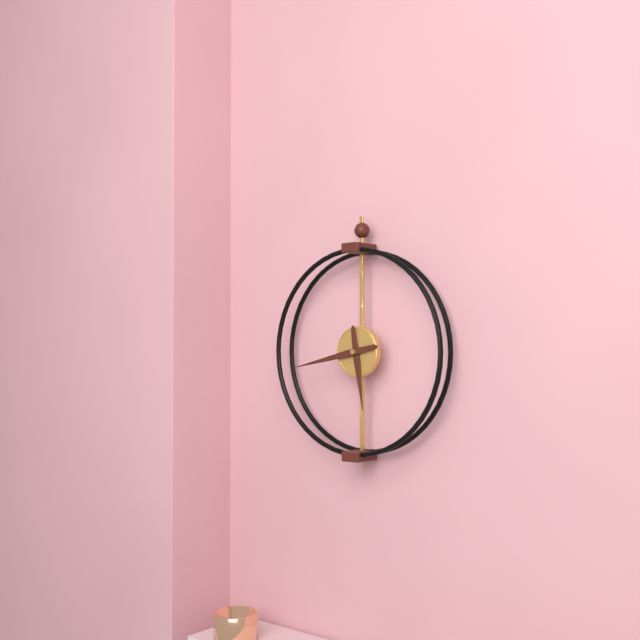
h=5 m=43
